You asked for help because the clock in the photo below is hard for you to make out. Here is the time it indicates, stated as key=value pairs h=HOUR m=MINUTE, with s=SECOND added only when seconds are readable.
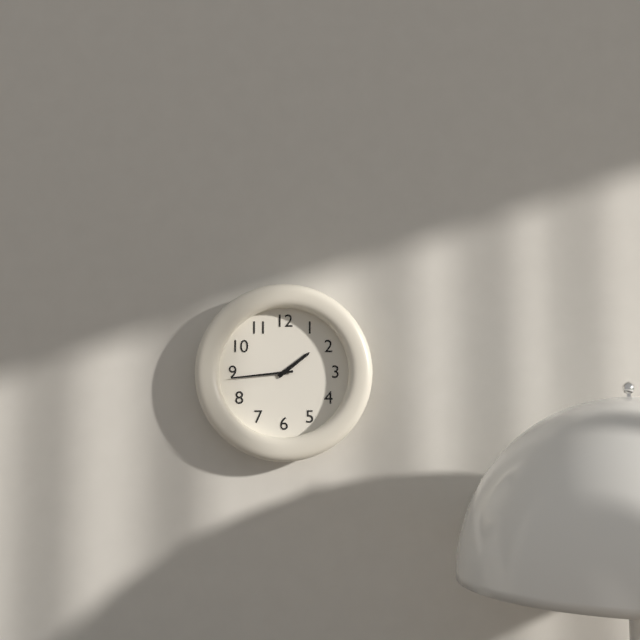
h=1 m=44
